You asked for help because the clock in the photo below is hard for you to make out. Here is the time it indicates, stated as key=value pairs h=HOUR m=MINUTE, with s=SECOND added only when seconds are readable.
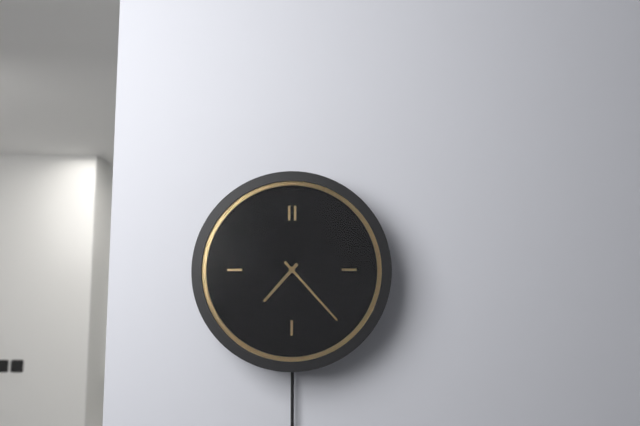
h=7 m=23
